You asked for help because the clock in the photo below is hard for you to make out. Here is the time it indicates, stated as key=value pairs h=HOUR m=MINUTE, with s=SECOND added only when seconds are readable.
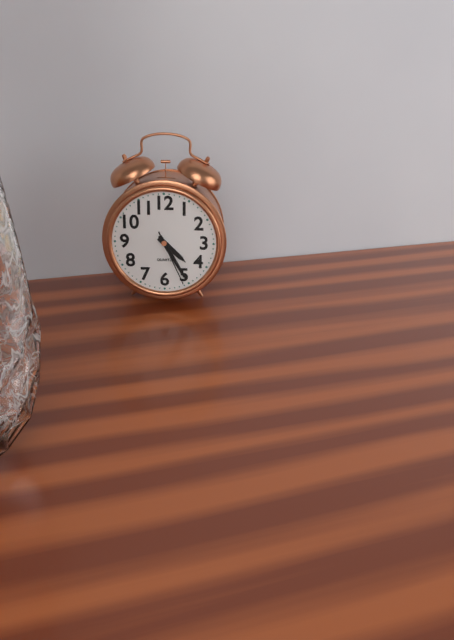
h=4 m=25 s=26
